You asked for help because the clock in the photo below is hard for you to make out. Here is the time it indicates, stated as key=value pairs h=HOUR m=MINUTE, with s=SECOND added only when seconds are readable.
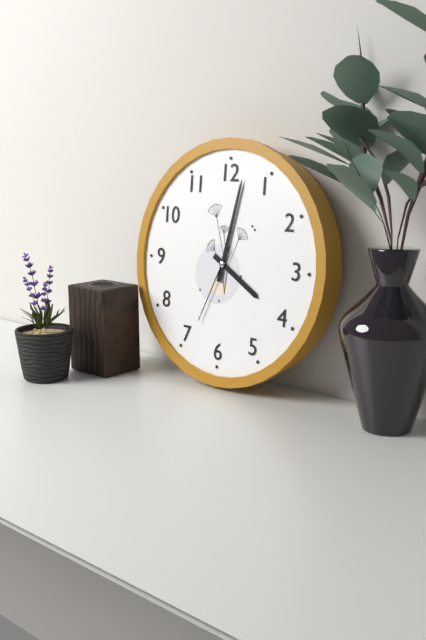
h=4 m=2 s=34
